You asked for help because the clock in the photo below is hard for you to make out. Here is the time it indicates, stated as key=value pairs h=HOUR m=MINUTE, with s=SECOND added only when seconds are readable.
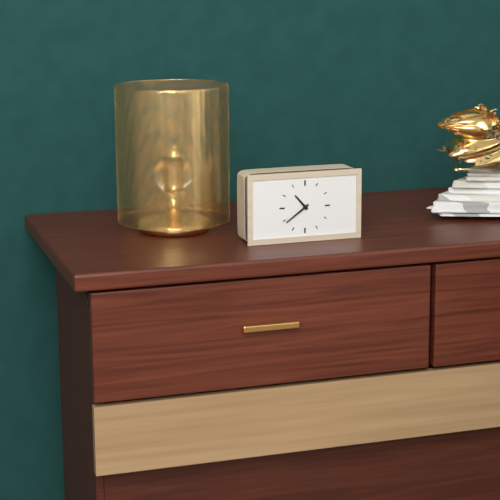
h=10 m=39
